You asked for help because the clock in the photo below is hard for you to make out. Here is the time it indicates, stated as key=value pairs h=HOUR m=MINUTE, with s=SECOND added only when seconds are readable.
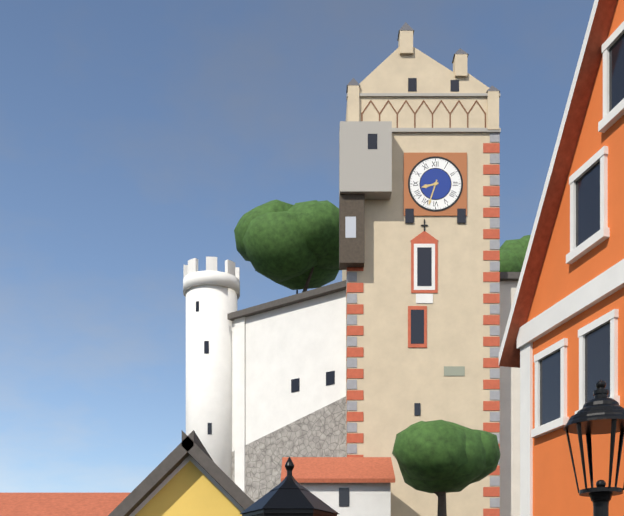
h=8 m=33
